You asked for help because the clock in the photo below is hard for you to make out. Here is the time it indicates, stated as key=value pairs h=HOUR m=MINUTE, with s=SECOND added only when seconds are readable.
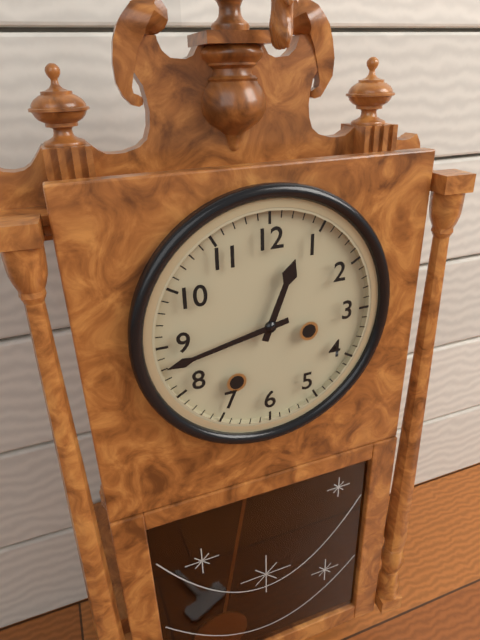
h=12 m=43
